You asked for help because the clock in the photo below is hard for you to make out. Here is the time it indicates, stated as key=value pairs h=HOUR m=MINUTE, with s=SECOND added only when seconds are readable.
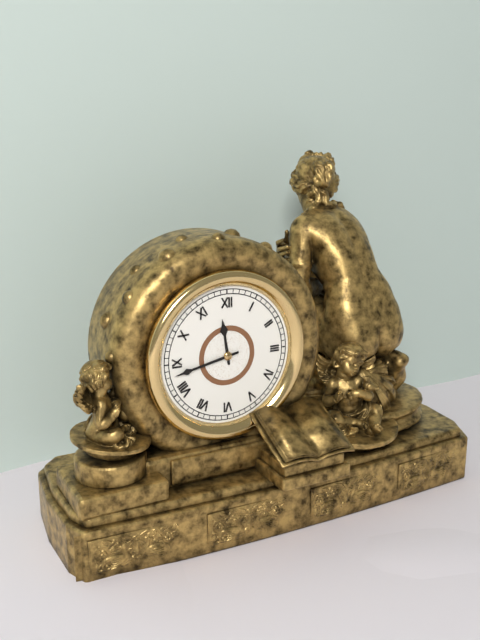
h=11 m=43
